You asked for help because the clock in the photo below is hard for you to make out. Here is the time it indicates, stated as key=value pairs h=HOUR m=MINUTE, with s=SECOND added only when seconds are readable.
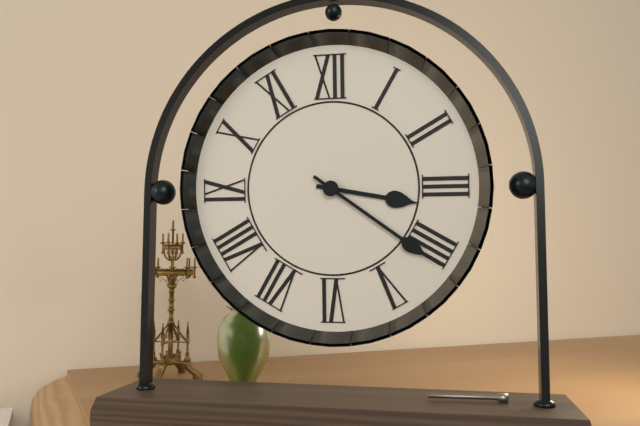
h=3 m=21
